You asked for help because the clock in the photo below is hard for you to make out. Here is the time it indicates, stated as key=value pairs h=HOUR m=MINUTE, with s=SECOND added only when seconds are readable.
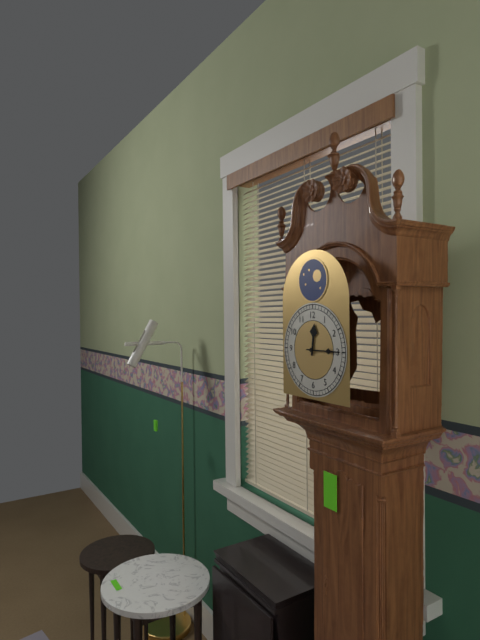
h=12 m=15
